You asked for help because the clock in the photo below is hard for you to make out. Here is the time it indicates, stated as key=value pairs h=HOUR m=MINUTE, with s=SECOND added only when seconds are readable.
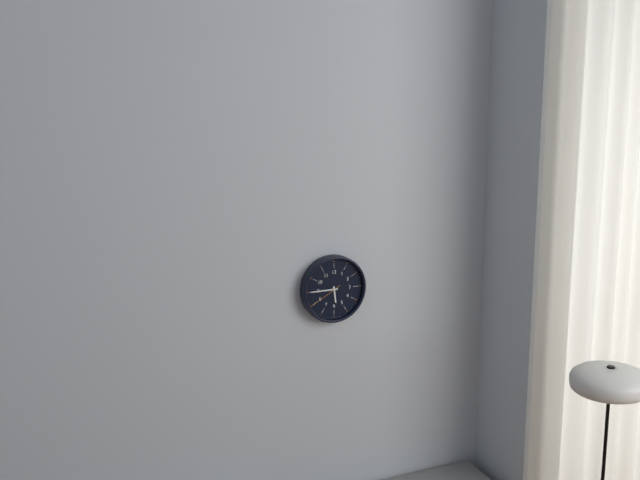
h=5 m=45
